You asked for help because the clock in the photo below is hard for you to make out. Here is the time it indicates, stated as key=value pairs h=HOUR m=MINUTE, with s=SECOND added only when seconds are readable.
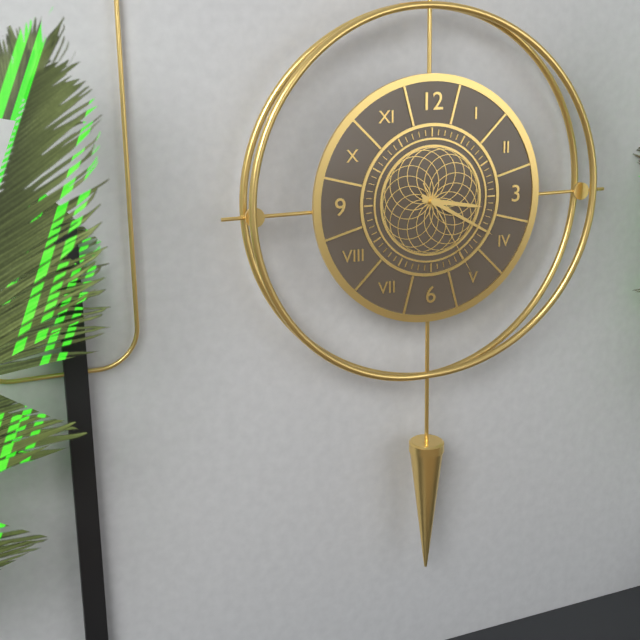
h=3 m=20 s=25
